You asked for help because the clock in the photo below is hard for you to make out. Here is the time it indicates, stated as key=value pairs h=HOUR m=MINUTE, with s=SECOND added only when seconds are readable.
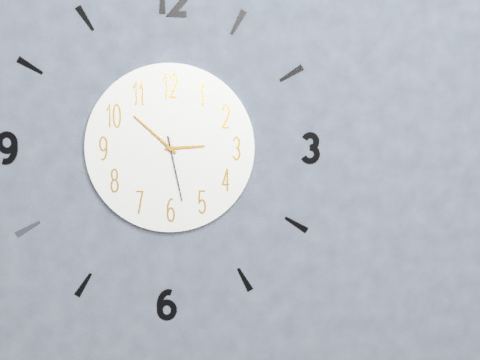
h=2 m=52 s=28
